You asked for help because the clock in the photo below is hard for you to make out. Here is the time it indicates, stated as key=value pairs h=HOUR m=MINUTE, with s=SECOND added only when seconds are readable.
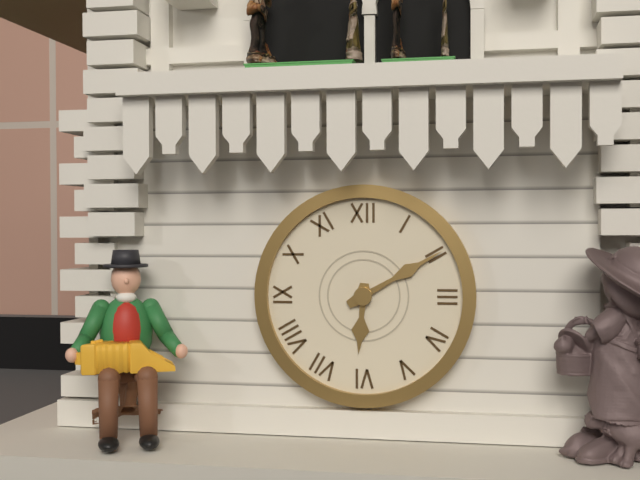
h=6 m=10
